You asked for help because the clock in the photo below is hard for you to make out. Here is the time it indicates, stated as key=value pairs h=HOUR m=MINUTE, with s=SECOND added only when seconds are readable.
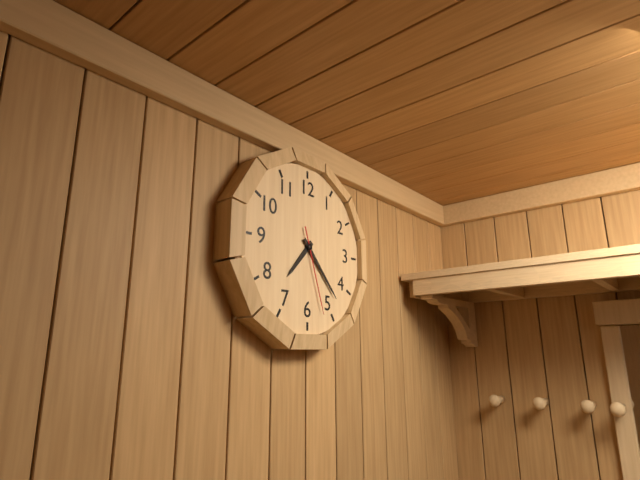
h=7 m=23 s=27
